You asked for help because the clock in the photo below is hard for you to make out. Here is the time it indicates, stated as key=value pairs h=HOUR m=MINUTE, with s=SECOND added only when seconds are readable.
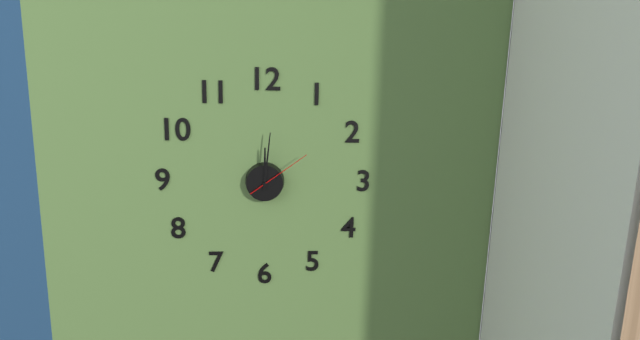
h=12 m=1 s=9
